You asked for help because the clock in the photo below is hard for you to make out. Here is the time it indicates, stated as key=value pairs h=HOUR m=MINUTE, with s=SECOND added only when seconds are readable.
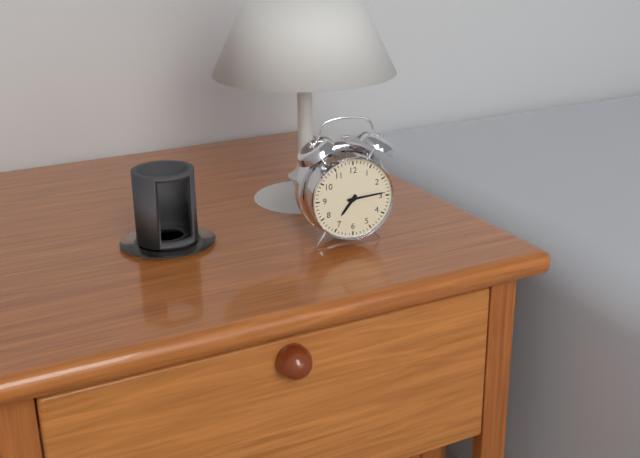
h=7 m=14
